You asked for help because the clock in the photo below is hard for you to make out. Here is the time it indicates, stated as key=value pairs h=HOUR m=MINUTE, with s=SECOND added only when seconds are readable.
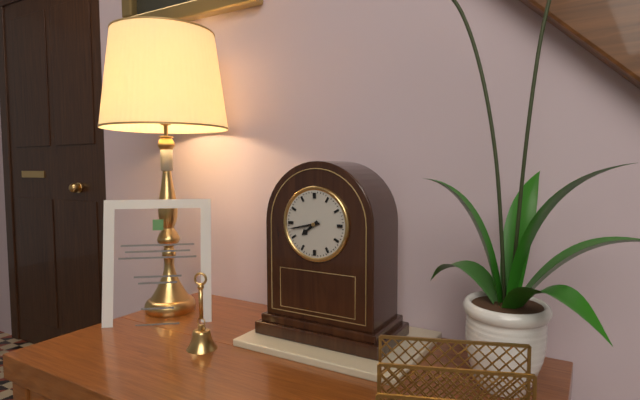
h=7 m=43
